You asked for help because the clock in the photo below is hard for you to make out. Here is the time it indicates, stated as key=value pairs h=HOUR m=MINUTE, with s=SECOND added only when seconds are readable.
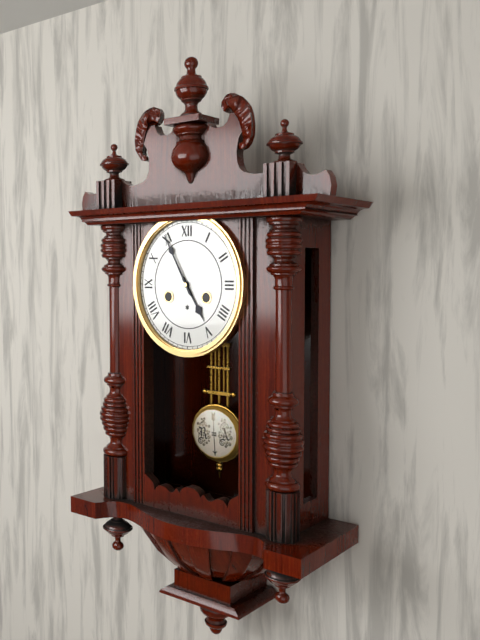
h=4 m=55
